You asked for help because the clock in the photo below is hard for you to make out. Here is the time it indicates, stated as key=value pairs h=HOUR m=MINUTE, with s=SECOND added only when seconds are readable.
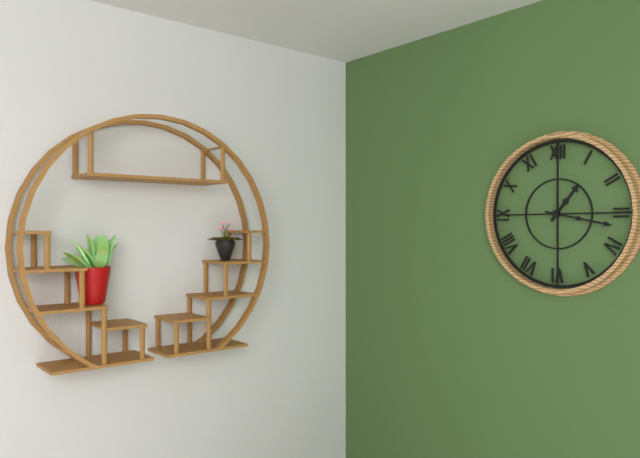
h=1 m=17
